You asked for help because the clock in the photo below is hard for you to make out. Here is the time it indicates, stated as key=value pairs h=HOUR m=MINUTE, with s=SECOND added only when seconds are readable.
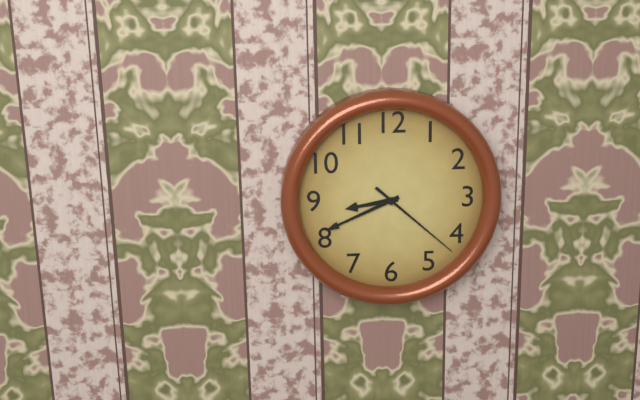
h=8 m=41 s=22
